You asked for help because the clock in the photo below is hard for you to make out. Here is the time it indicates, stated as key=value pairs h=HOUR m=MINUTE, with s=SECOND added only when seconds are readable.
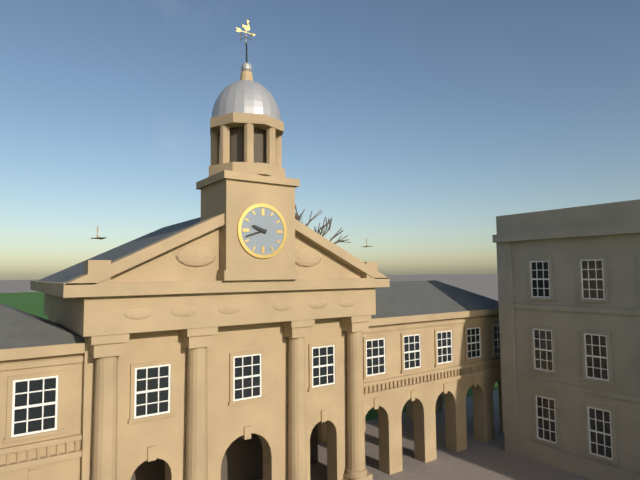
h=9 m=42
